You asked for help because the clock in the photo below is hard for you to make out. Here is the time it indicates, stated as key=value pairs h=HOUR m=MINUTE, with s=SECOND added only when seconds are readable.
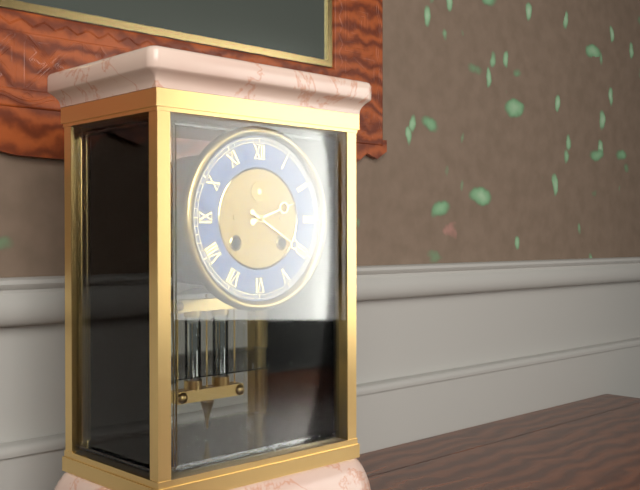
h=2 m=20
